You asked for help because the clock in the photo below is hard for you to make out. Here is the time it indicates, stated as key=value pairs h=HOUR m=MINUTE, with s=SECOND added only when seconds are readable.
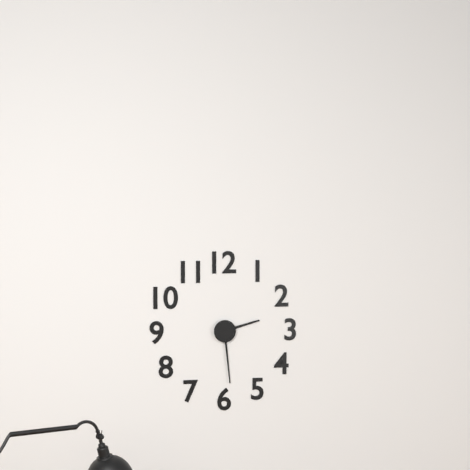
h=2 m=29
